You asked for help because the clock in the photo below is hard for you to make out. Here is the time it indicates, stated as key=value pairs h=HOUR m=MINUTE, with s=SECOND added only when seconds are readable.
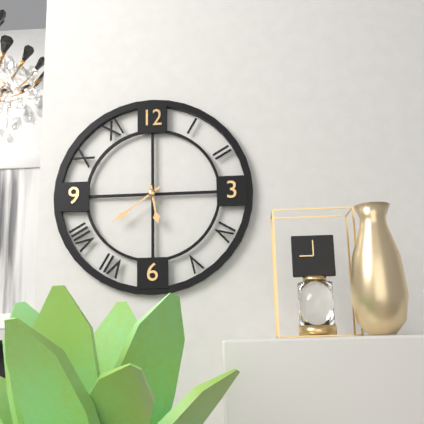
h=5 m=39
